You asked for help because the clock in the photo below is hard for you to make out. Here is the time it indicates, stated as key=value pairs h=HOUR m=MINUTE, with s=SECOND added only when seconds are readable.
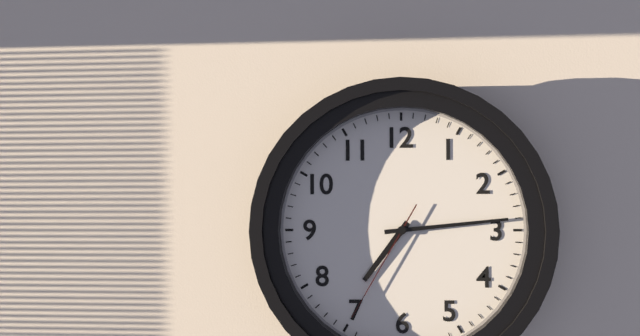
h=7 m=14 s=35
